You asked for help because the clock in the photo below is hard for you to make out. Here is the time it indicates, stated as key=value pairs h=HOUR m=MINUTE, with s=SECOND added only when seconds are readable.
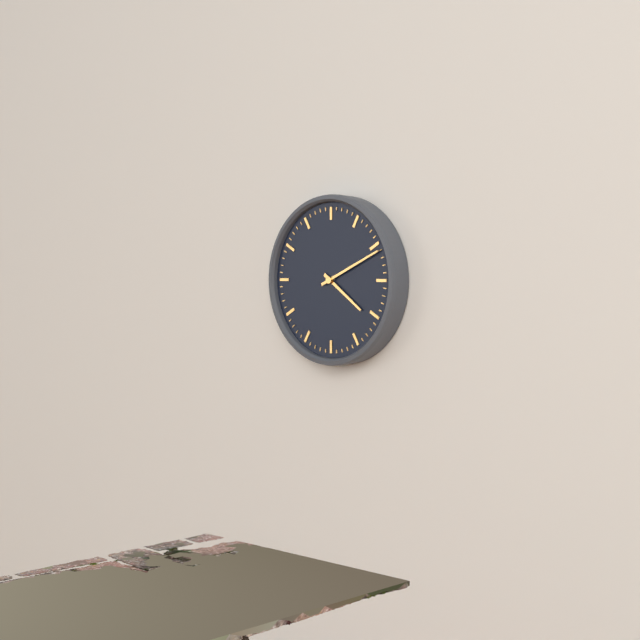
h=4 m=11
